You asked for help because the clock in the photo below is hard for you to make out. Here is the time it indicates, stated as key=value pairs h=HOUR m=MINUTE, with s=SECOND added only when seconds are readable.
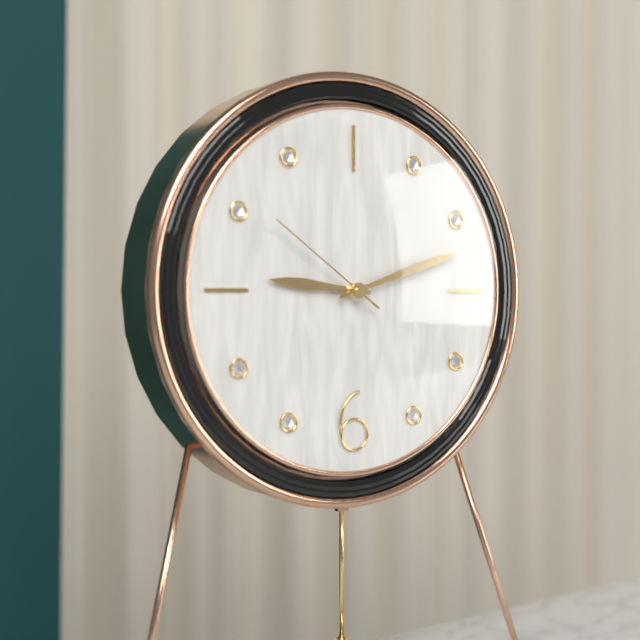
h=9 m=12 s=51
